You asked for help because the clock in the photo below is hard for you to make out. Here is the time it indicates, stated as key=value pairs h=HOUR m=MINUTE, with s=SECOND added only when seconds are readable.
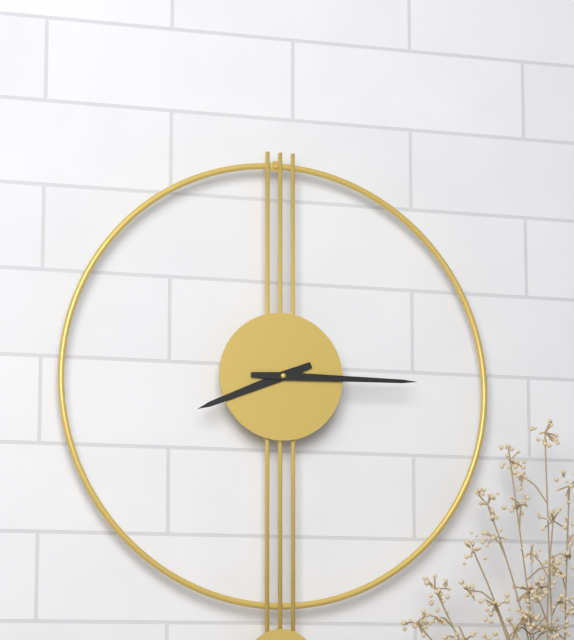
h=8 m=15
